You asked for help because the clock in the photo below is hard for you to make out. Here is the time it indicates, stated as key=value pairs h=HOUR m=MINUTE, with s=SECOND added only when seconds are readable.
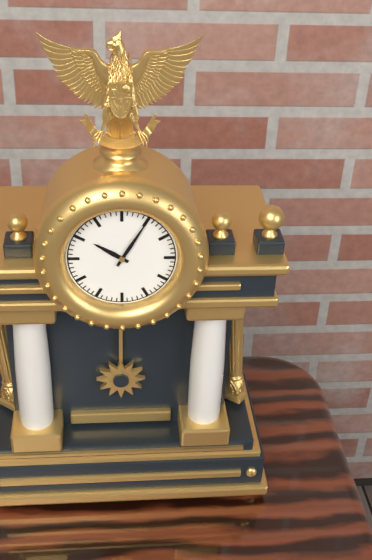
h=10 m=5
